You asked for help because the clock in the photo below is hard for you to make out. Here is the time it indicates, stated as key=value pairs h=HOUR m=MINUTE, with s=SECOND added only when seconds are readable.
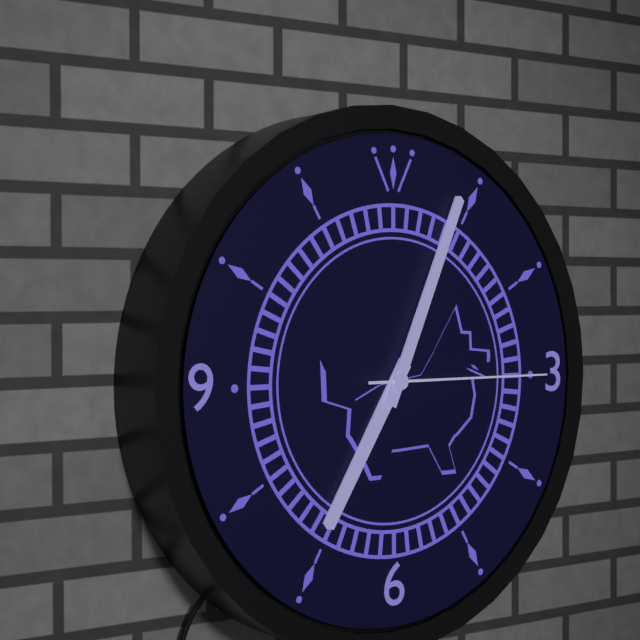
h=7 m=4 s=15
